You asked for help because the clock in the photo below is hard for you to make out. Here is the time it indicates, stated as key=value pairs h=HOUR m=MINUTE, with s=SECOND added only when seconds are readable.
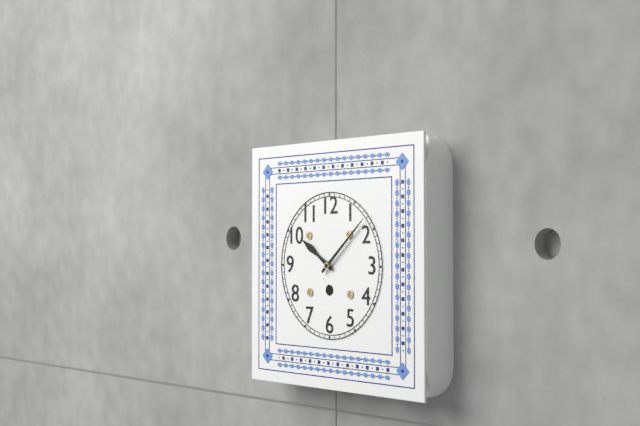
h=10 m=8
